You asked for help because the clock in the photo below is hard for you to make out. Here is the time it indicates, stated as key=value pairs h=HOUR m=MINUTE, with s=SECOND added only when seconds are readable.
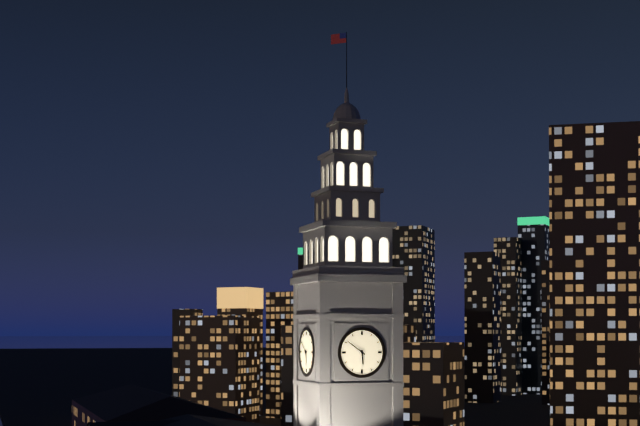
h=5 m=51
